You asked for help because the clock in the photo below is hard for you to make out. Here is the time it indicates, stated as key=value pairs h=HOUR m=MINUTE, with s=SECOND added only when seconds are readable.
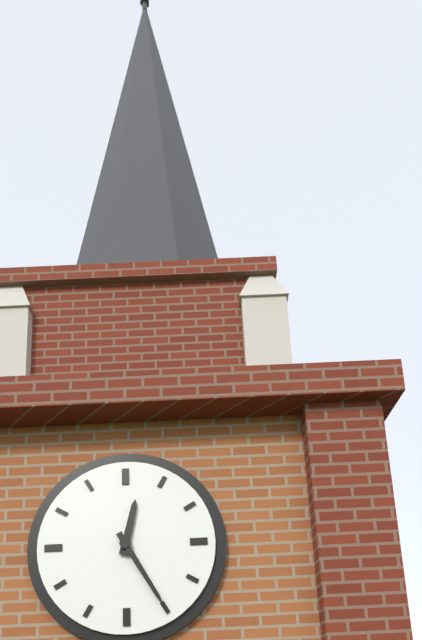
h=12 m=25
